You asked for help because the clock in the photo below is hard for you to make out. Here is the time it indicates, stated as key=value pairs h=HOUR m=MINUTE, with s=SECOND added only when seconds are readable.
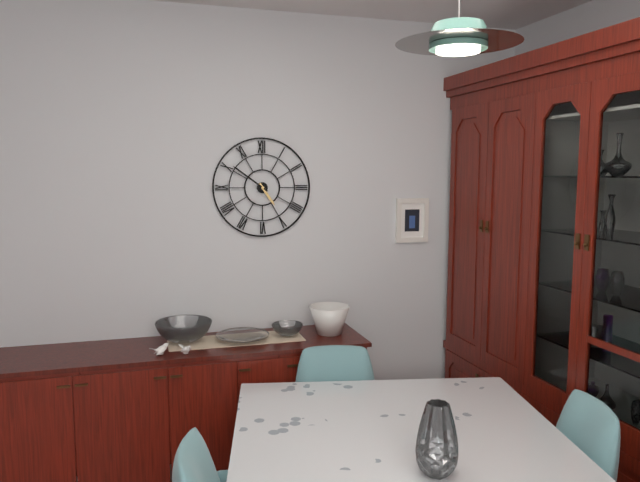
h=4 m=51
